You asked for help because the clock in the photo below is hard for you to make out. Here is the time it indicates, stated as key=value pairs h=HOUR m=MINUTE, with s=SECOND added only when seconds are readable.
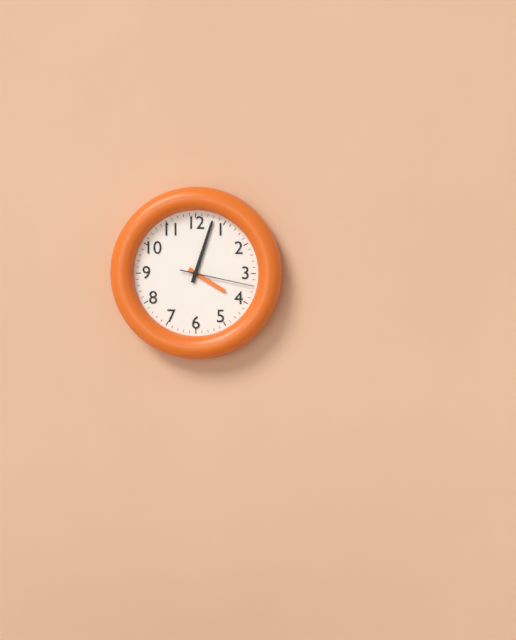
h=4 m=3 s=17
